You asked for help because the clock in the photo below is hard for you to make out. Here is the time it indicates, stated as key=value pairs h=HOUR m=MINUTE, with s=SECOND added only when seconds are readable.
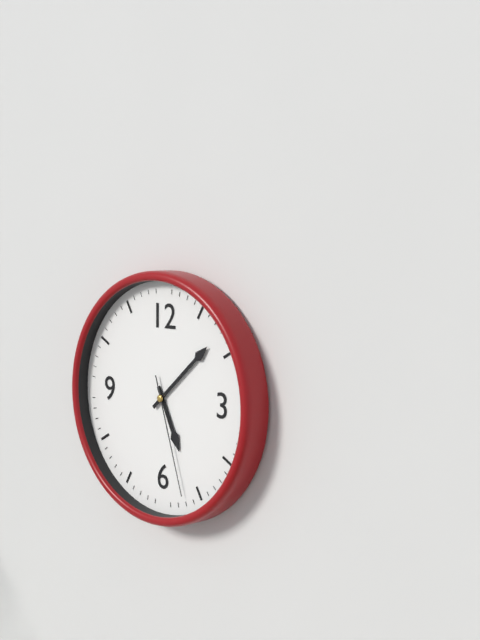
h=5 m=8 s=27
